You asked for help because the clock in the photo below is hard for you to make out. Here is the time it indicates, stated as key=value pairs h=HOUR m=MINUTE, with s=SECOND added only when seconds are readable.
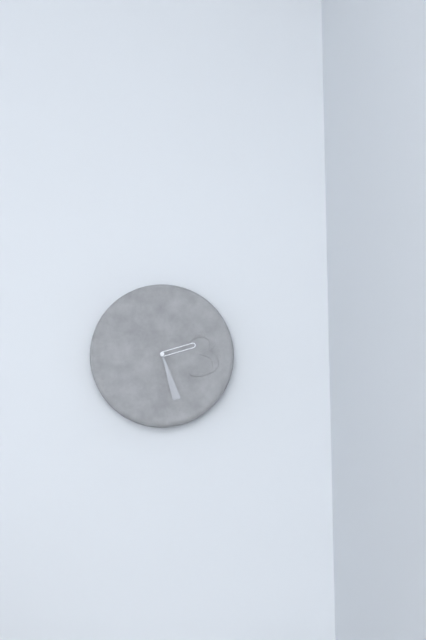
h=2 m=27
